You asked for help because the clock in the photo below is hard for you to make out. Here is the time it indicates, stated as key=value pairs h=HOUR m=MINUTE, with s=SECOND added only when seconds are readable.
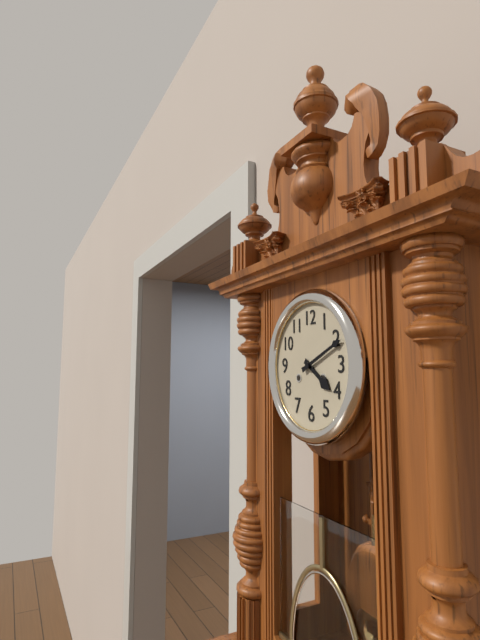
h=4 m=11
